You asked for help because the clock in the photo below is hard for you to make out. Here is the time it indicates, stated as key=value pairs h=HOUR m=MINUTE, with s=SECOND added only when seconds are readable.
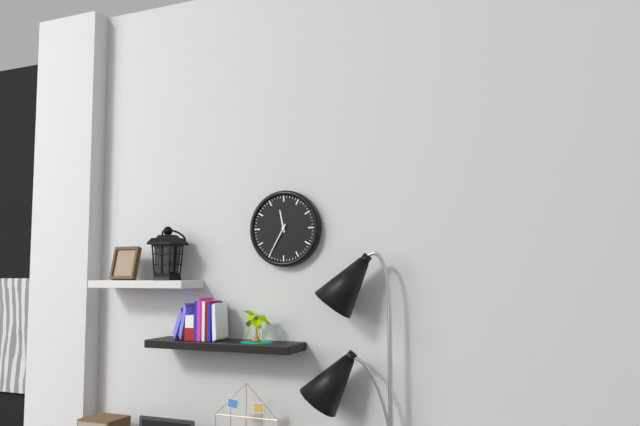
h=11 m=35
